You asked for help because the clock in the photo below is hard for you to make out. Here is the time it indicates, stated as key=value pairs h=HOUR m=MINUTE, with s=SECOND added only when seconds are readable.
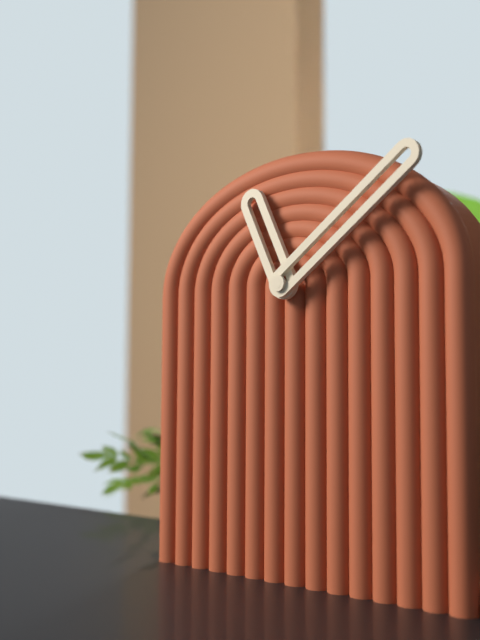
h=11 m=9
